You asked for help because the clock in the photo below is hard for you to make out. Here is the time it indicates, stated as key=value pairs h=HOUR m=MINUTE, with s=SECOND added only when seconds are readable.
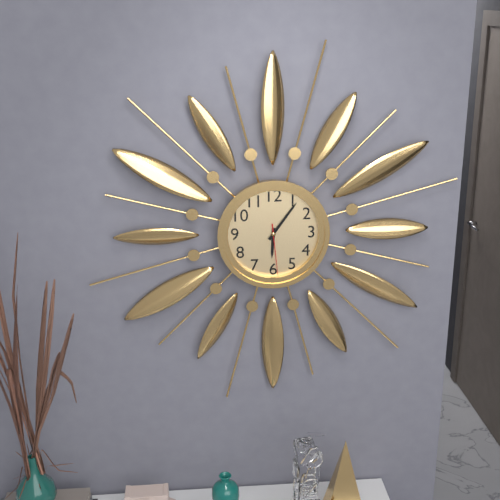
h=6 m=6 s=29
